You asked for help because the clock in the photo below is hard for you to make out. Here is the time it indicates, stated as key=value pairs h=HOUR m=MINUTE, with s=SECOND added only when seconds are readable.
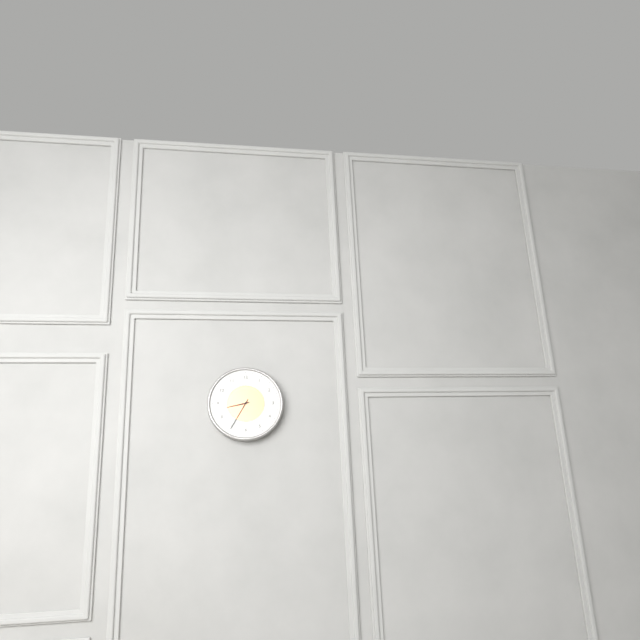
h=8 m=35
